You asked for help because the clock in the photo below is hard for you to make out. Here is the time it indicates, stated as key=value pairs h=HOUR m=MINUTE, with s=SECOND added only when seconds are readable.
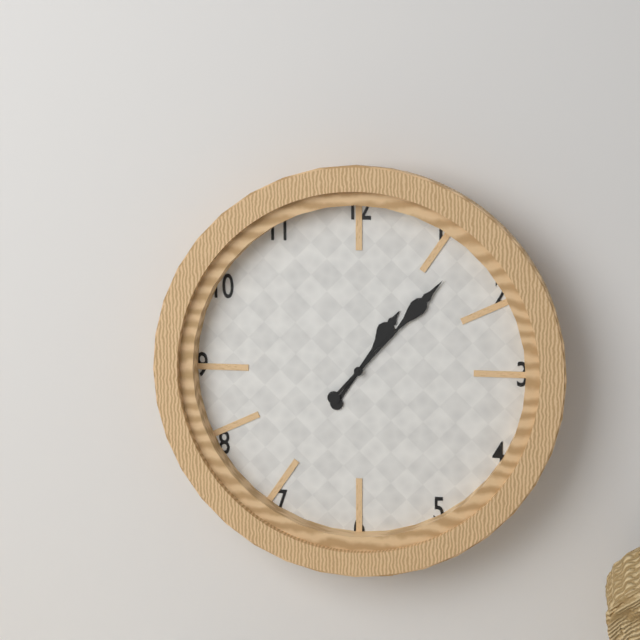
h=1 m=7
